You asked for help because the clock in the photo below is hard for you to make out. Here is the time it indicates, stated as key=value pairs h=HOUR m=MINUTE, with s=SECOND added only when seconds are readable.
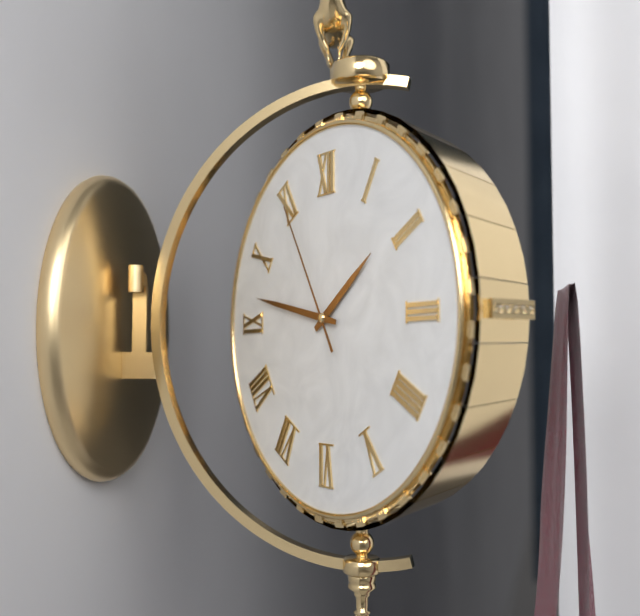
h=1 m=47 s=55
